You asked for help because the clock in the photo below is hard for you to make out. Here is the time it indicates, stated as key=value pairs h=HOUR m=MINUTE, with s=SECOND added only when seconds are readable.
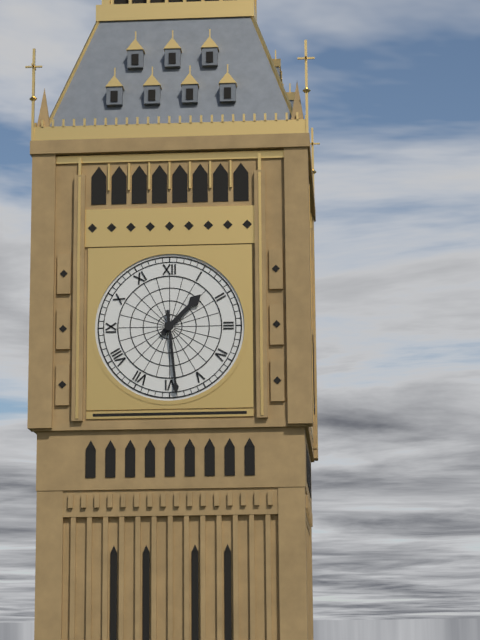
h=1 m=29
